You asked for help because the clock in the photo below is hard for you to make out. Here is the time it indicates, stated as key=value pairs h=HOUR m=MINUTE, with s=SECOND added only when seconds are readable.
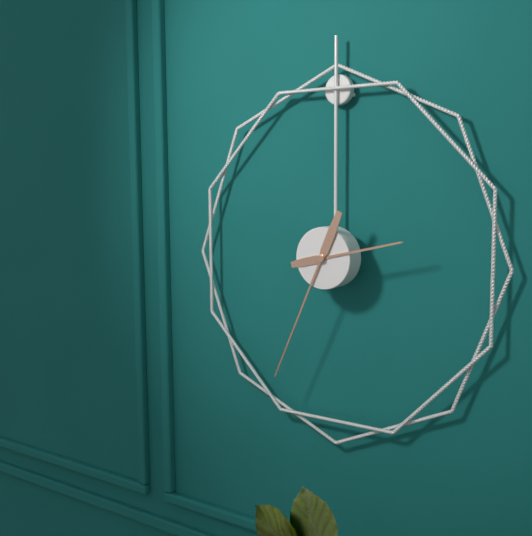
h=2 m=34
